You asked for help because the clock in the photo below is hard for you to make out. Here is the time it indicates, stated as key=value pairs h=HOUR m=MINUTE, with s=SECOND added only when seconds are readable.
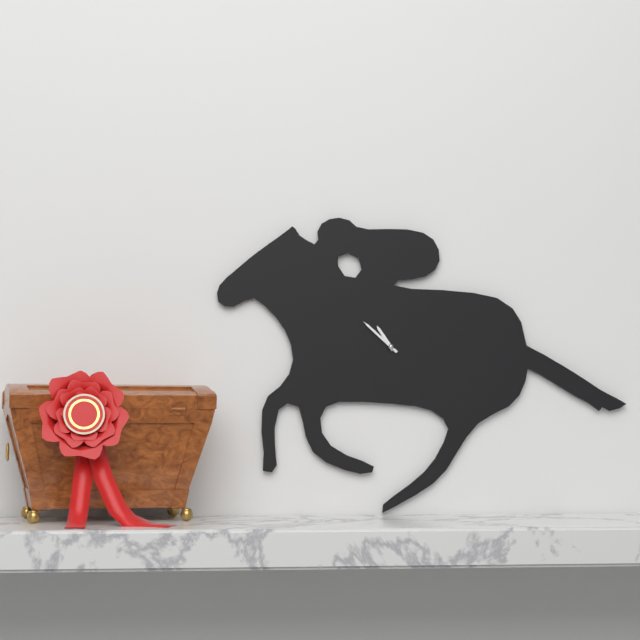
h=10 m=52
